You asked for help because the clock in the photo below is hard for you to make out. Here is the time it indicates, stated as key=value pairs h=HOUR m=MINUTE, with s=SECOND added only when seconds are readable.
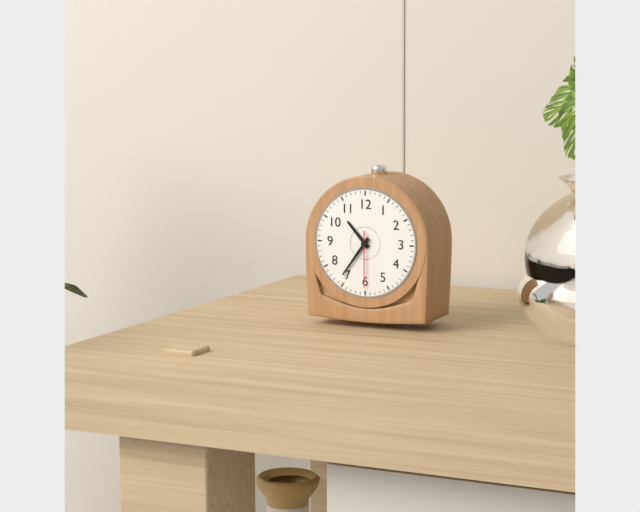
h=10 m=36 s=30
